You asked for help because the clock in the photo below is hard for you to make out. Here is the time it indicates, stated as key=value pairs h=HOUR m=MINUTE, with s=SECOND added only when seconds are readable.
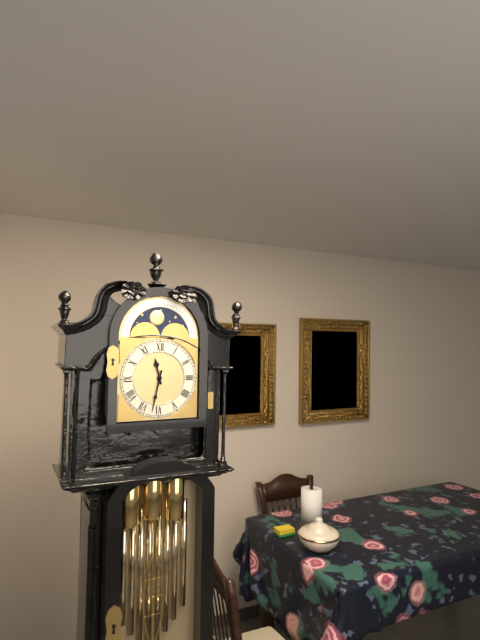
h=11 m=32
